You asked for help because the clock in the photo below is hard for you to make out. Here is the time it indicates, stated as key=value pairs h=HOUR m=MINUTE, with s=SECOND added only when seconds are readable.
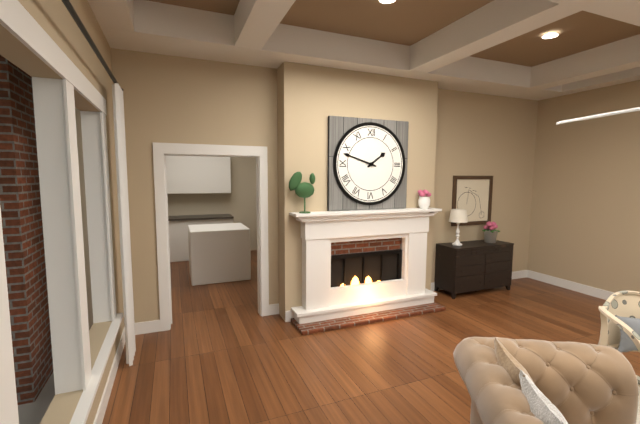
h=1 m=48
